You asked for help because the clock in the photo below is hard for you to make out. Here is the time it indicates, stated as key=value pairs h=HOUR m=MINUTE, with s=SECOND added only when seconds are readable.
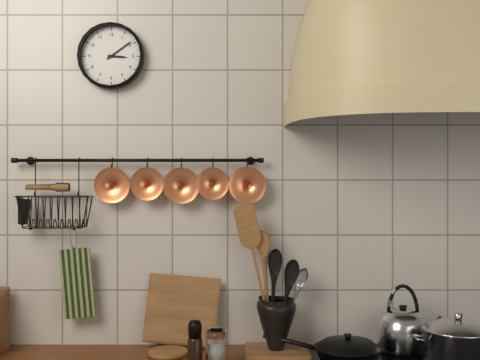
h=3 m=9
